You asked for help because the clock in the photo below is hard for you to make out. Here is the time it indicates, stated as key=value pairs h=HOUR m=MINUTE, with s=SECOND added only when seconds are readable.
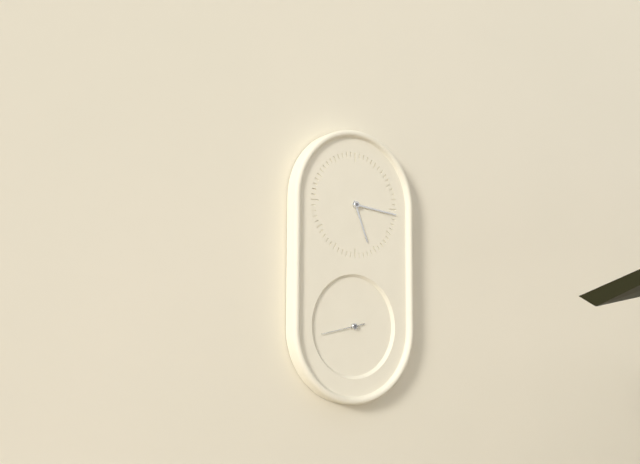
h=5 m=16
